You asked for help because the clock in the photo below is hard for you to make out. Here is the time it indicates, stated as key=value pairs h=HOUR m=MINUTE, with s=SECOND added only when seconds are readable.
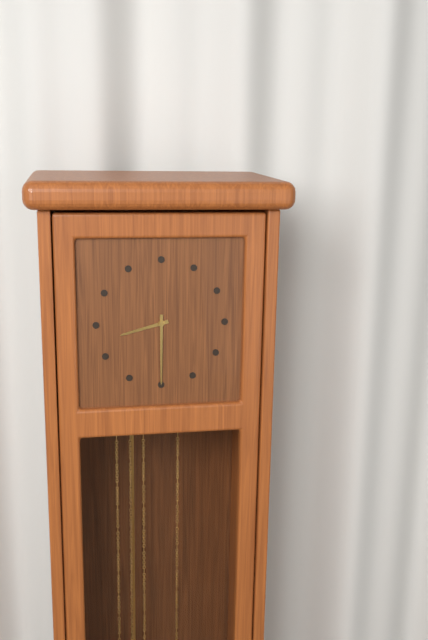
h=8 m=30
